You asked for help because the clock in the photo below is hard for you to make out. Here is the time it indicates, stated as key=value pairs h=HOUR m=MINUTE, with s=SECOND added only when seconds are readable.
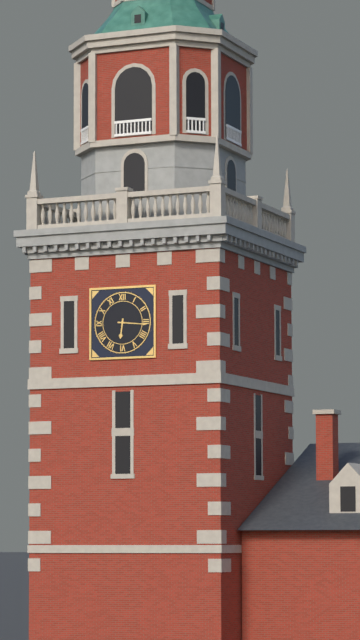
h=6 m=16
